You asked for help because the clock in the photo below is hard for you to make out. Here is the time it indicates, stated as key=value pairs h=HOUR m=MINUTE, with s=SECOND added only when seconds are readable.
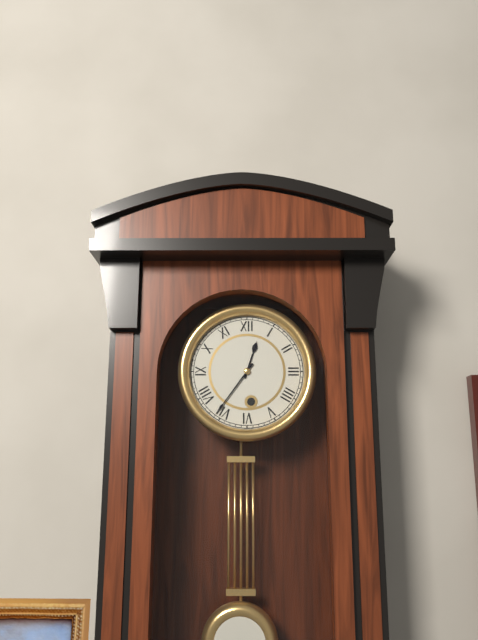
h=12 m=36
